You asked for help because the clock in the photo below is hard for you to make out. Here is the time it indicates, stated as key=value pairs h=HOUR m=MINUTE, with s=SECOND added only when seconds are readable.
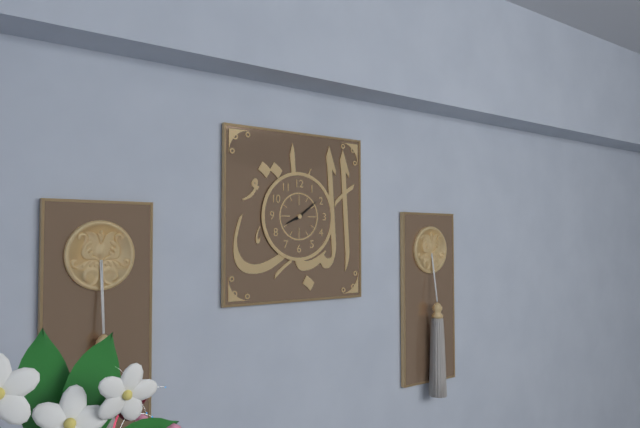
h=8 m=9
